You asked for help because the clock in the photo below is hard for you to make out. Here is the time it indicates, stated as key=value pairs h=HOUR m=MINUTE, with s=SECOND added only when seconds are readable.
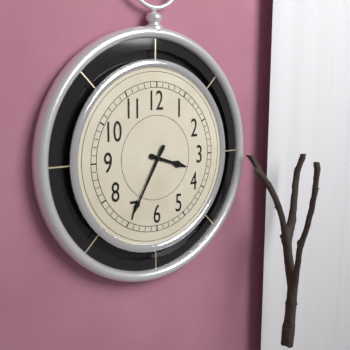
h=3 m=35
